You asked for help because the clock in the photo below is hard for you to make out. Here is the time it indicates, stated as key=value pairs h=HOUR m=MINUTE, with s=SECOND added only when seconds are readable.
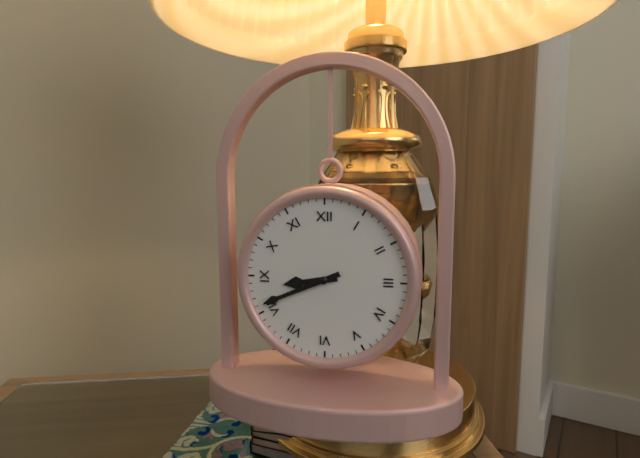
h=8 m=41
